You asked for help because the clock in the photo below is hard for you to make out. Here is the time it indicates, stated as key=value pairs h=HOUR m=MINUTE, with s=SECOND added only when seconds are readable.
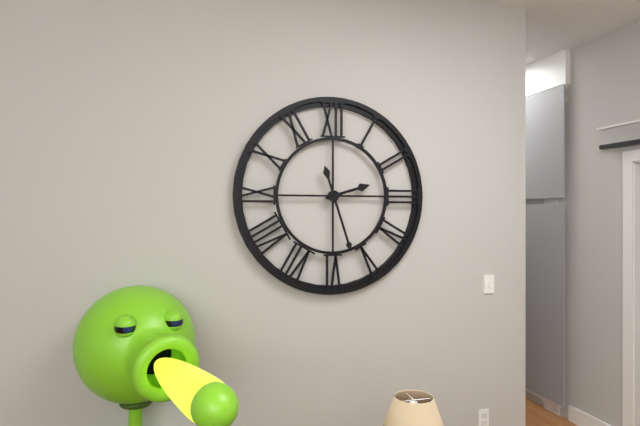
h=2 m=27
